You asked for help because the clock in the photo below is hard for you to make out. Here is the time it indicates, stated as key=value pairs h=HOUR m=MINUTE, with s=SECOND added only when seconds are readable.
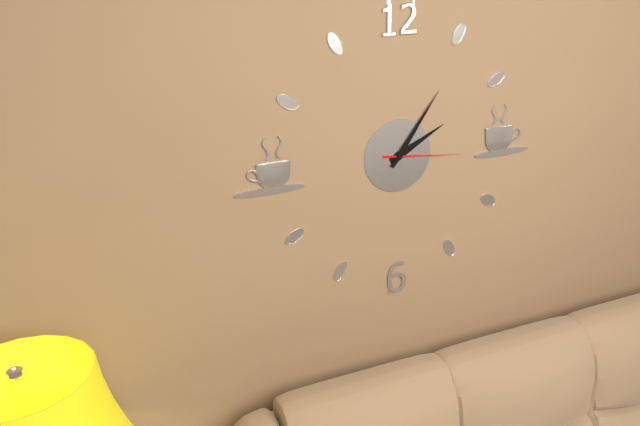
h=2 m=6 s=16
